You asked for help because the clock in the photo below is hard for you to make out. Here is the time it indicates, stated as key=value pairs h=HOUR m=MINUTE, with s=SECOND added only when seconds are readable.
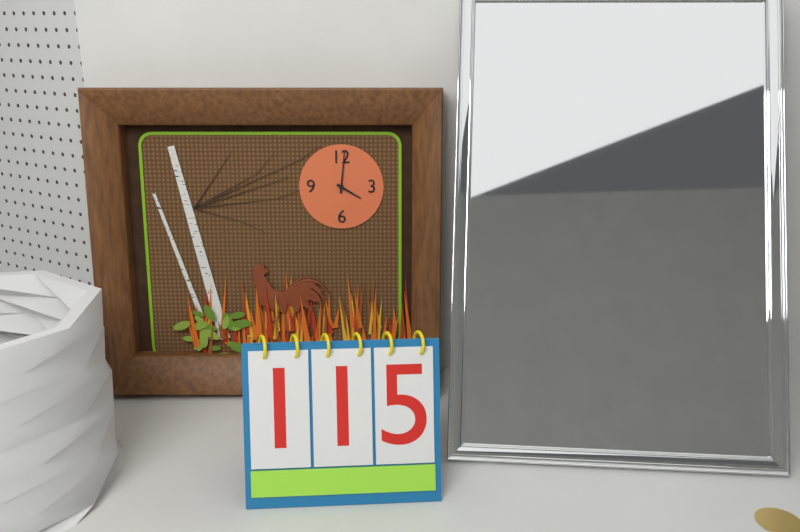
h=4 m=1
